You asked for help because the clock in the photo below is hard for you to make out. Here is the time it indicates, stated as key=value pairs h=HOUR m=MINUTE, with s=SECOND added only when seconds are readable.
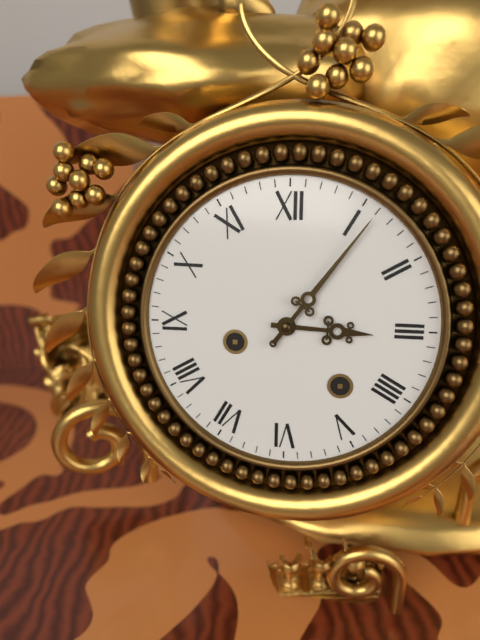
h=3 m=6
